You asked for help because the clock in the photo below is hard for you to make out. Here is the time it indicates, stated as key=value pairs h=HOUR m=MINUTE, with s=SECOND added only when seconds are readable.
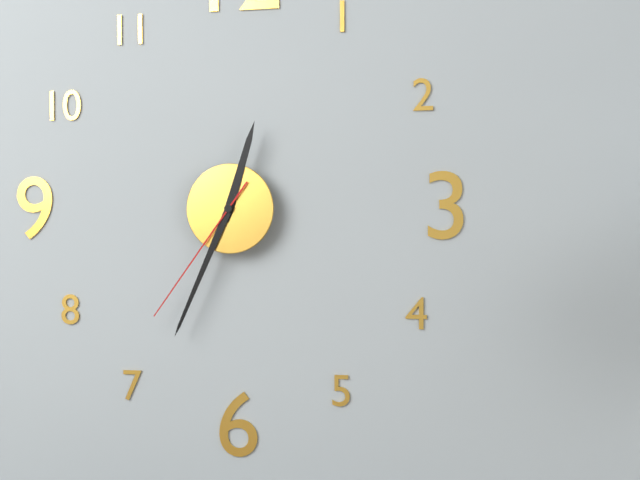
h=12 m=34 s=36
